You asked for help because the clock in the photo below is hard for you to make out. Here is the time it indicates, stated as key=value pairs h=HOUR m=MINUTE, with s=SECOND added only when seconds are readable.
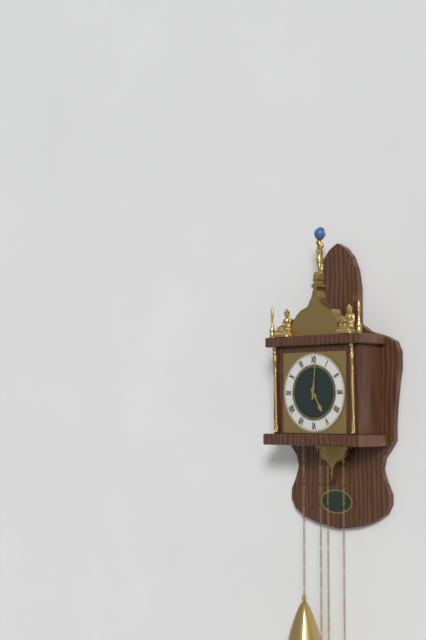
h=5 m=1
